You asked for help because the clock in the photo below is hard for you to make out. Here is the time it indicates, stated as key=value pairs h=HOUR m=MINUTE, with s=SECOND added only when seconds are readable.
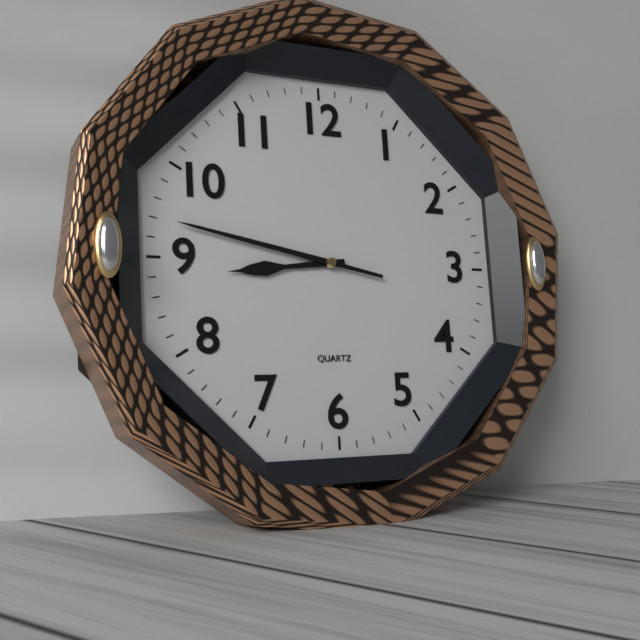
h=8 m=47
